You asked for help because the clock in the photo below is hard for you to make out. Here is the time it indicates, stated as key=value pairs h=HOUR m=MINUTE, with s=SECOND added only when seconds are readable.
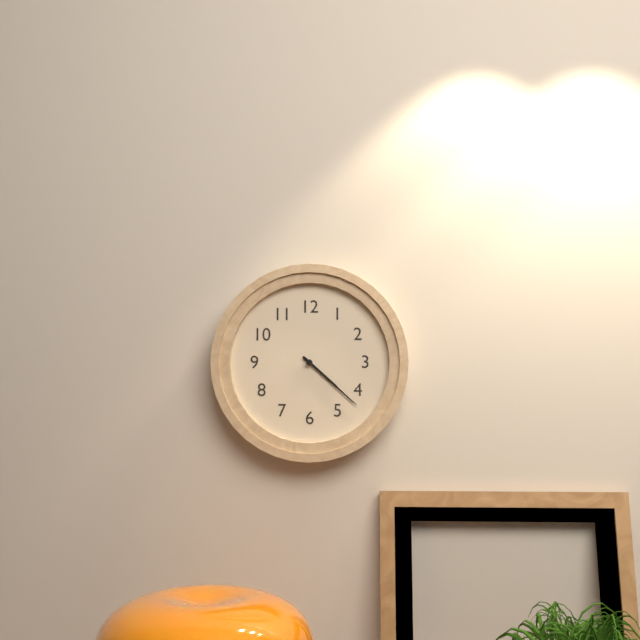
h=4 m=22
